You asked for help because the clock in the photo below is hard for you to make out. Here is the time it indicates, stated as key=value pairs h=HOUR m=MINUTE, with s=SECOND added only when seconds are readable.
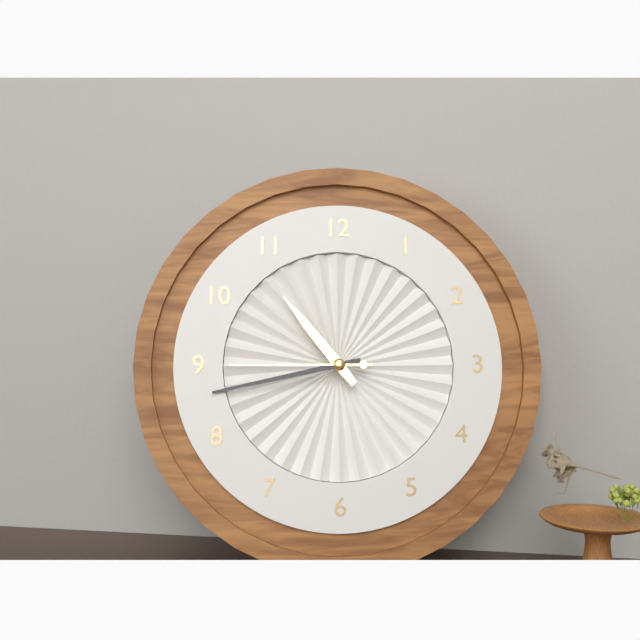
h=10 m=43 s=45
